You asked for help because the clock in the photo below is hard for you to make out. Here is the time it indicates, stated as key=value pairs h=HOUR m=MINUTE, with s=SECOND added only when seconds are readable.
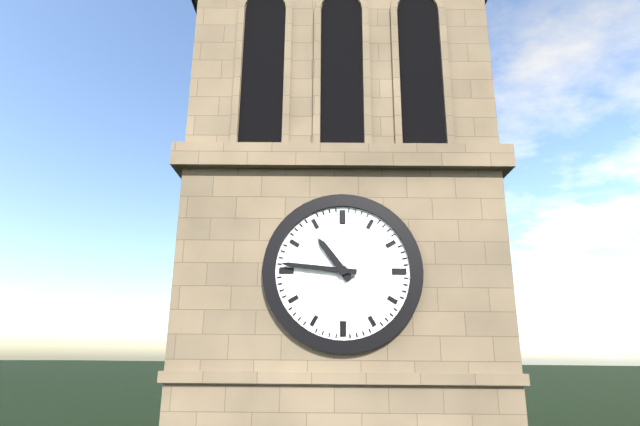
h=10 m=46
